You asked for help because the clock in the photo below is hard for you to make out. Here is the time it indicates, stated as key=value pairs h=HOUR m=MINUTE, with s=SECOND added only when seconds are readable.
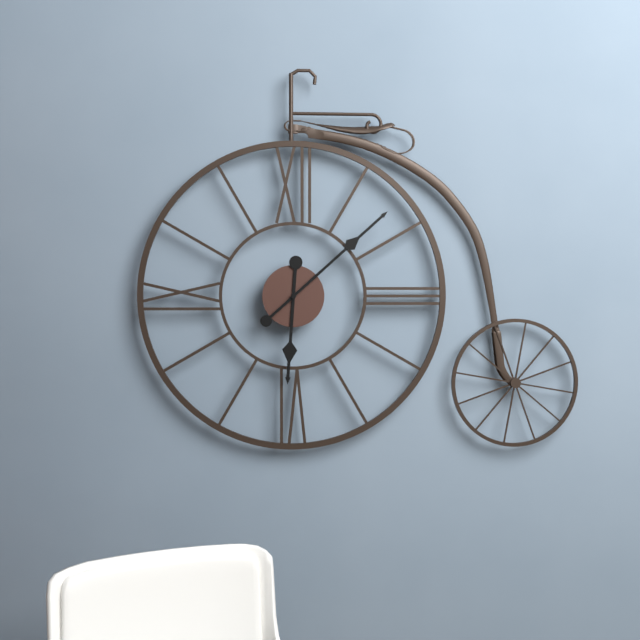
h=6 m=8
